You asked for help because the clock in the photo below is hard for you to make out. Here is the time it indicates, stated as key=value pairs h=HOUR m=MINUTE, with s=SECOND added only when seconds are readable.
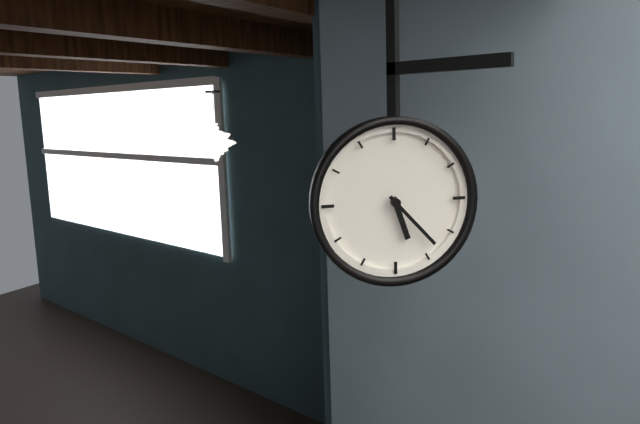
h=5 m=23
